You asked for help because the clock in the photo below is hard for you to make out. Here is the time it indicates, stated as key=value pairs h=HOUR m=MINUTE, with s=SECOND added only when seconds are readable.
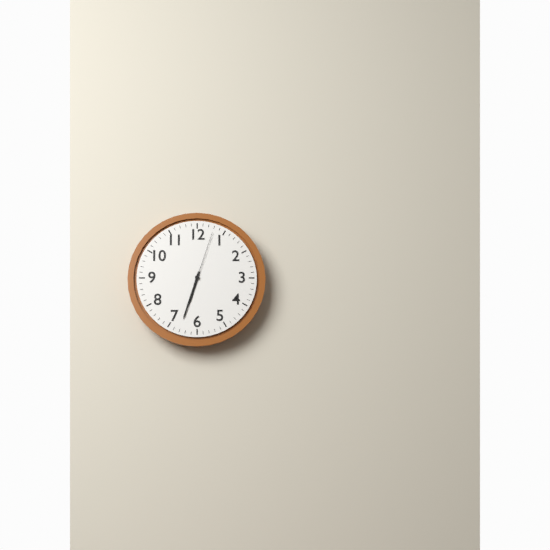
h=6 m=33 s=3
